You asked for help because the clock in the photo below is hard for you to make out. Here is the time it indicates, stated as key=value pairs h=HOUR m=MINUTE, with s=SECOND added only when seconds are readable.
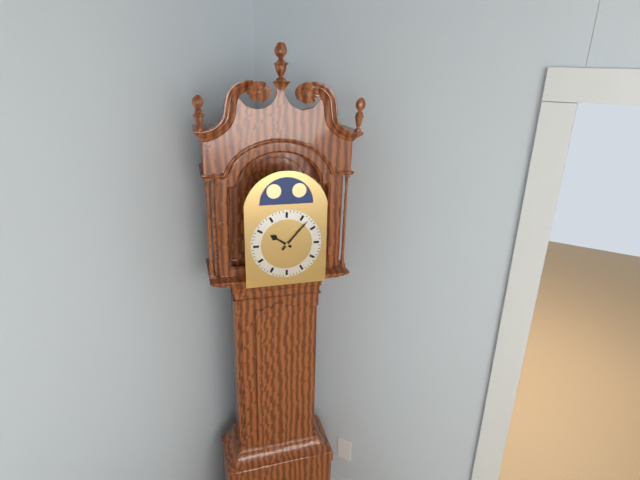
h=10 m=7
